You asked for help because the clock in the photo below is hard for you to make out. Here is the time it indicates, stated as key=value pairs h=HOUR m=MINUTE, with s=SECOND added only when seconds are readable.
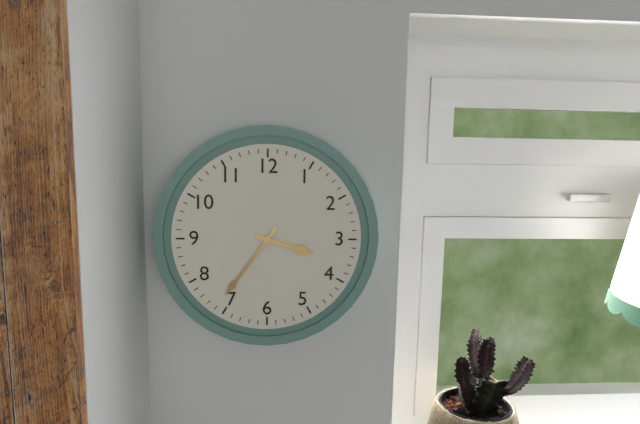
h=3 m=36
